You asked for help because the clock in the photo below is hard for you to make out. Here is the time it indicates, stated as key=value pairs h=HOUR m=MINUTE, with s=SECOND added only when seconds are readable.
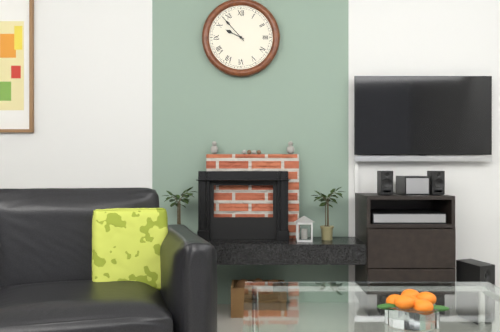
h=9 m=53
